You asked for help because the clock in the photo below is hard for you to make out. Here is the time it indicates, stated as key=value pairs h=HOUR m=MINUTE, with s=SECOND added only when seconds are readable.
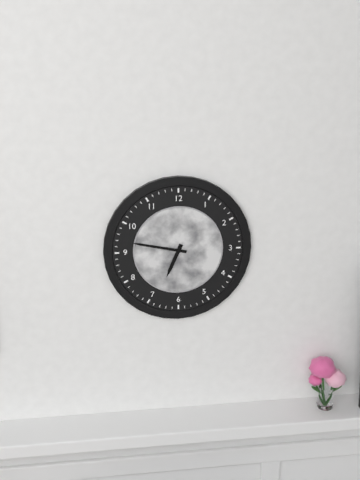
h=6 m=47
